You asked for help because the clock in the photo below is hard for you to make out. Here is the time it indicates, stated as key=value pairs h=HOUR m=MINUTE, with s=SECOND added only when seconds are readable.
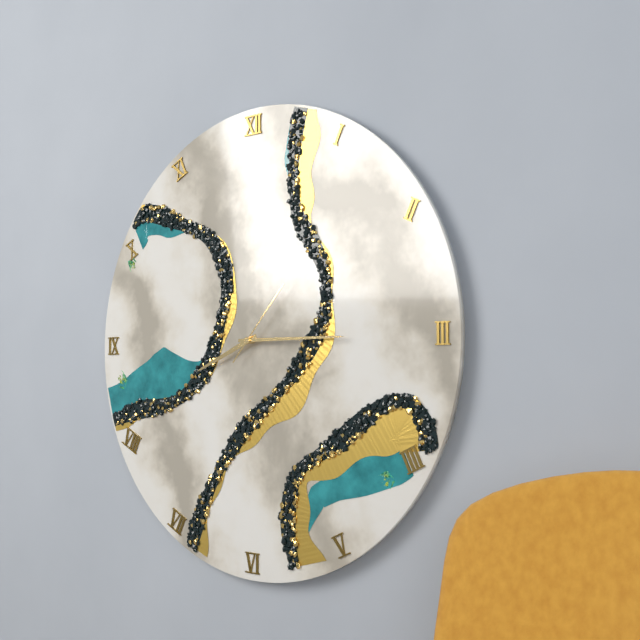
h=8 m=15 s=7
